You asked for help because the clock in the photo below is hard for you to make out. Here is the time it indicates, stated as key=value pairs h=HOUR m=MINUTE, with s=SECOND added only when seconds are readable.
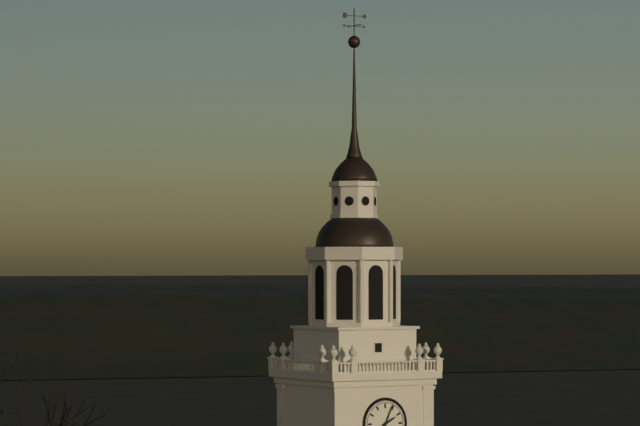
h=2 m=4
